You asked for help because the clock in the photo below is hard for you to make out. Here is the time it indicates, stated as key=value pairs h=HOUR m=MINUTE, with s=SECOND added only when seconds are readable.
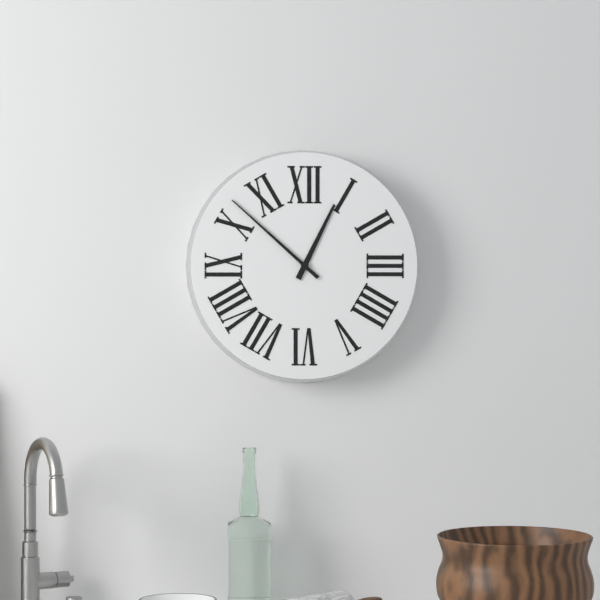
h=12 m=52
